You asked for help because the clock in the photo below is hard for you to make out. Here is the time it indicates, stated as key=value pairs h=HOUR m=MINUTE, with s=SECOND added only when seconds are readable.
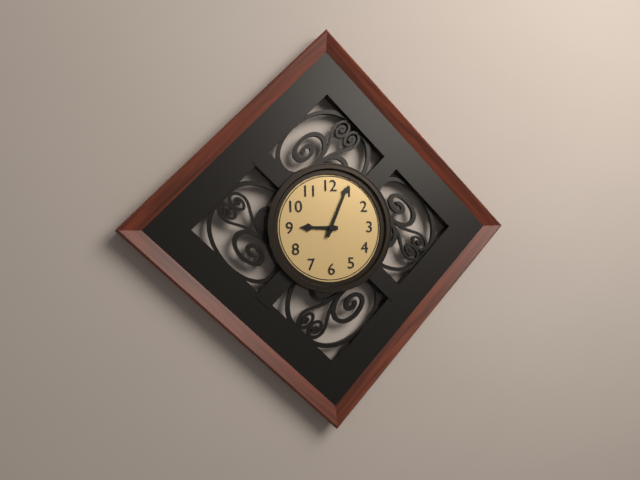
h=9 m=4
